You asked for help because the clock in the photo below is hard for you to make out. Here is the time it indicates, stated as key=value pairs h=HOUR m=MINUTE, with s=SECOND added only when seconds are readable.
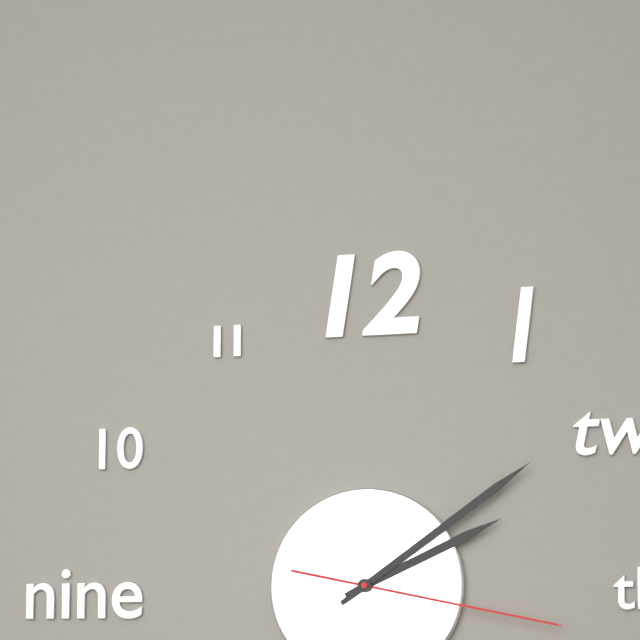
h=2 m=9 s=17
